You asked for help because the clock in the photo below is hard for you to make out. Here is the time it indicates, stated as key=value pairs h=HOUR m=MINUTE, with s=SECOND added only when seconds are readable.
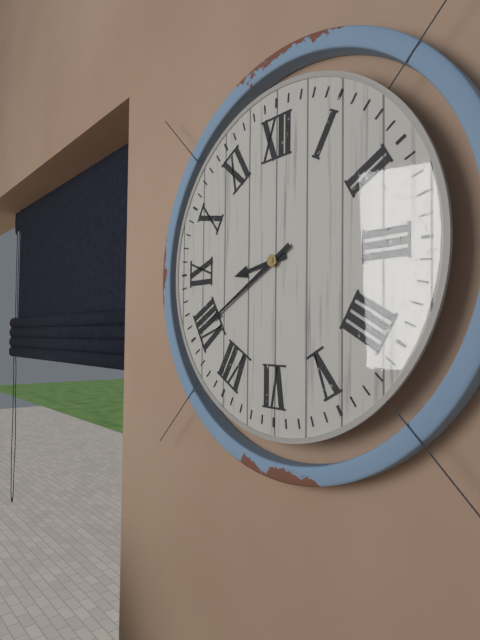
h=8 m=40
